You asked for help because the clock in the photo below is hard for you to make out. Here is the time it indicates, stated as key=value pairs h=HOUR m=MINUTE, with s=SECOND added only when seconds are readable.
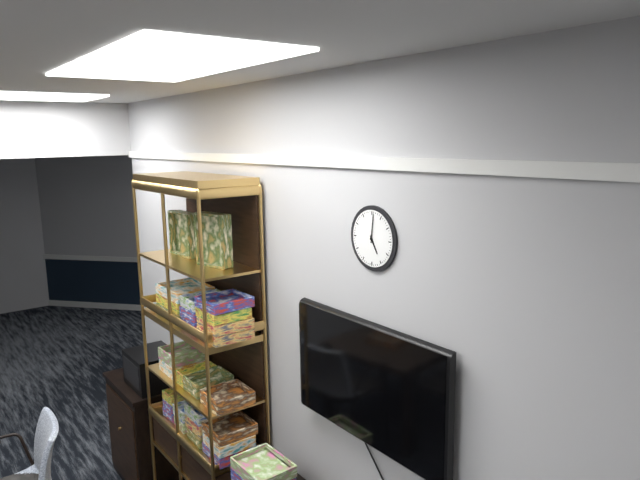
h=5 m=1
